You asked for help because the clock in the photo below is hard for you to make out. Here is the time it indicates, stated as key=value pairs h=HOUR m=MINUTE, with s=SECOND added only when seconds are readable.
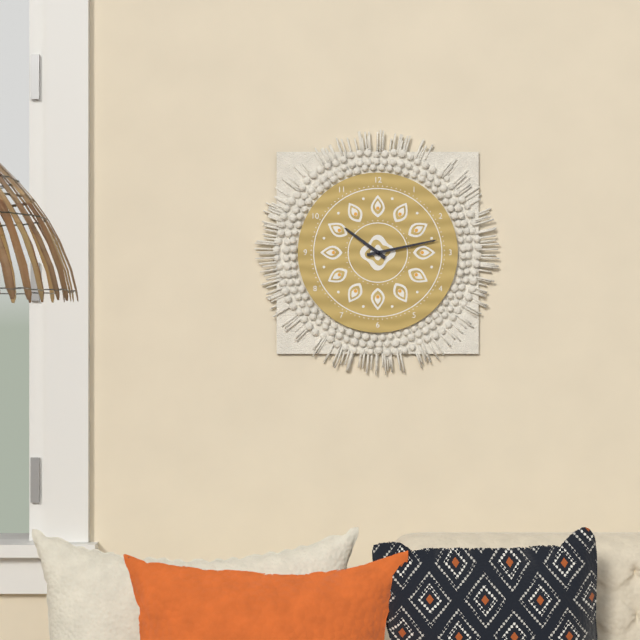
h=10 m=13
